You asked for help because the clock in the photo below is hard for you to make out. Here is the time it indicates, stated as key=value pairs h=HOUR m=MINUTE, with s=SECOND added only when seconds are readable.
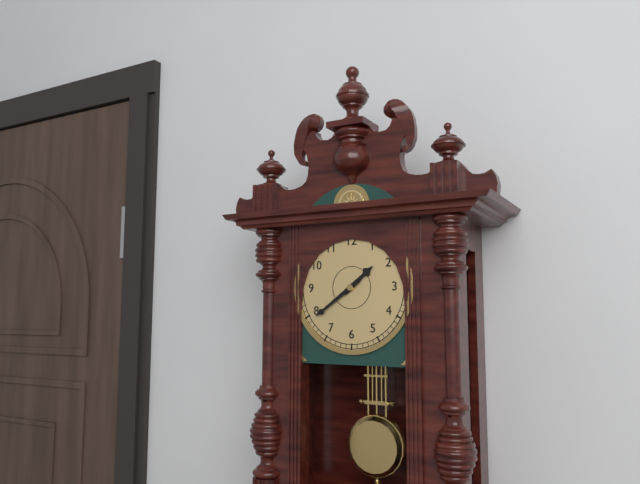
h=1 m=39
